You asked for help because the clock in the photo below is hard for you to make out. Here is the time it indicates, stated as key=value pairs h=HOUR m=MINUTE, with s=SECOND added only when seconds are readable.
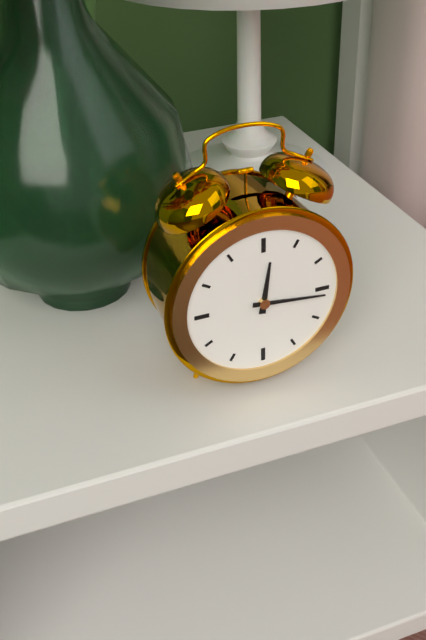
h=12 m=16
